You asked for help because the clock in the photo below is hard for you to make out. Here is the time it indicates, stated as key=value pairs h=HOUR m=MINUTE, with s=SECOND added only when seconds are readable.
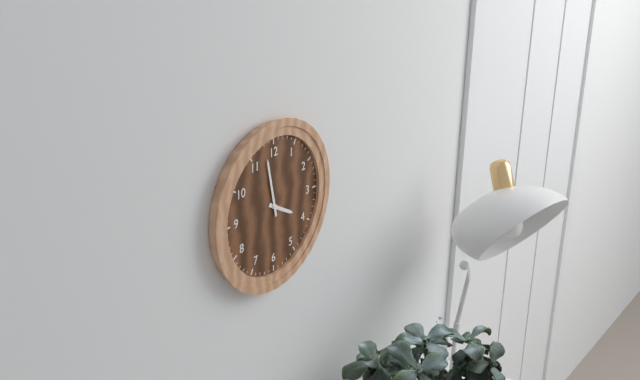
h=3 m=58
